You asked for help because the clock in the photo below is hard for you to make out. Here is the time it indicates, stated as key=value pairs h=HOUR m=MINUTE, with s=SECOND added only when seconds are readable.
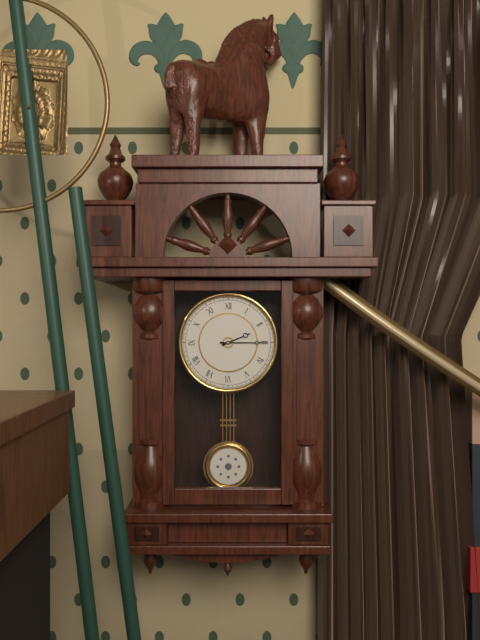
h=2 m=15
